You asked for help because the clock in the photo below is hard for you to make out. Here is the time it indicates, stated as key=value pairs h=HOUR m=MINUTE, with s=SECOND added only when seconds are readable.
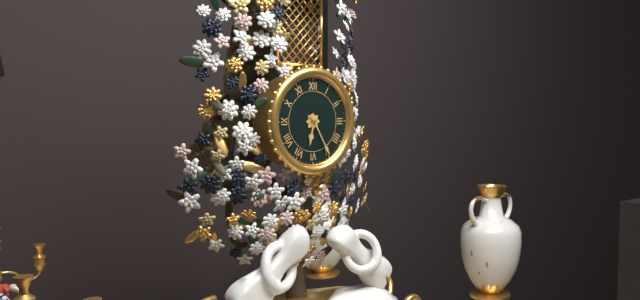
h=6 m=25
